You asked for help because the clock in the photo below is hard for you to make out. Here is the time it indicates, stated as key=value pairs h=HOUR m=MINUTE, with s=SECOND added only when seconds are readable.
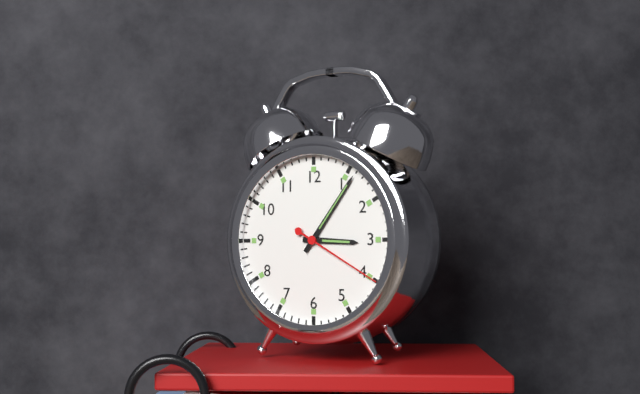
h=3 m=6 s=20
